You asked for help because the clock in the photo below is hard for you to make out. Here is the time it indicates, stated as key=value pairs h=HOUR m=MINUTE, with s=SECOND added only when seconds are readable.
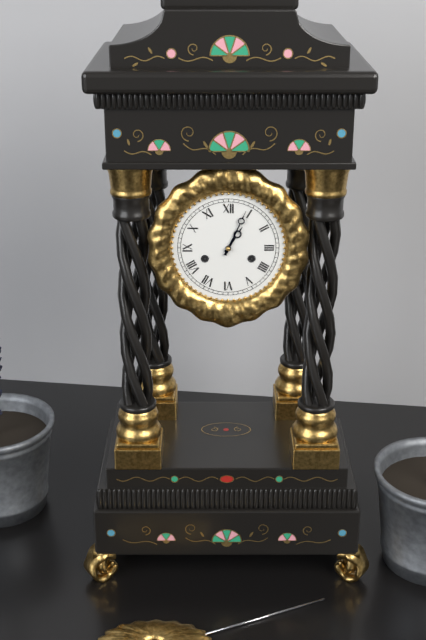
h=1 m=4
